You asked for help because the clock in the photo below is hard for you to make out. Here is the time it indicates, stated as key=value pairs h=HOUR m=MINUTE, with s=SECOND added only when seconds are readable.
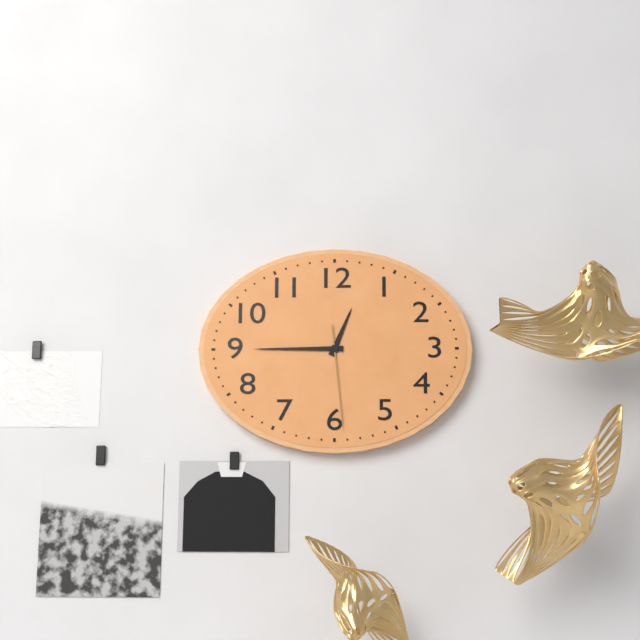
h=12 m=45 s=29
